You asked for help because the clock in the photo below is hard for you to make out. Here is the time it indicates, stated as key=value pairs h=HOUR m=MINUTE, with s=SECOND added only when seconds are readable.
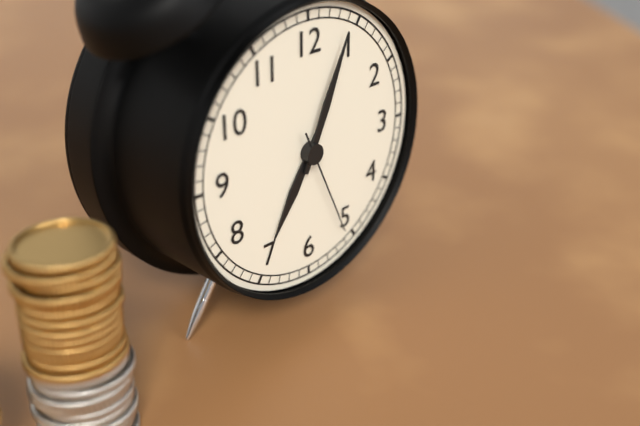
h=7 m=4 s=26
